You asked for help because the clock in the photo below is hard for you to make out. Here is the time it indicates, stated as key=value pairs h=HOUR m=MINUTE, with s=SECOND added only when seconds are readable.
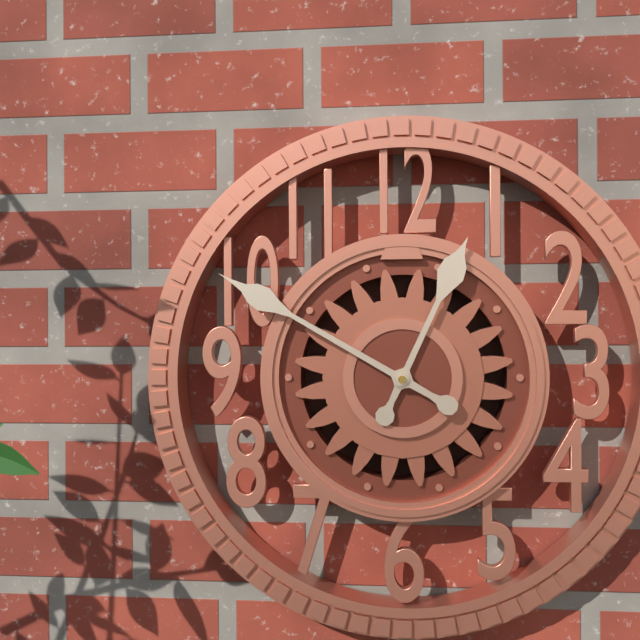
h=12 m=50
